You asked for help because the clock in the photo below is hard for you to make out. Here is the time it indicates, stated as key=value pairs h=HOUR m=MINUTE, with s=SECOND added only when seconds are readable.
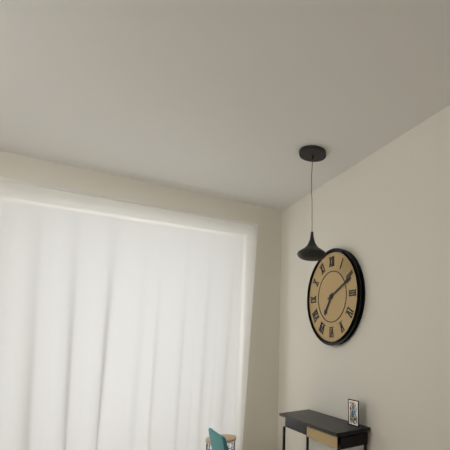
h=7 m=11
